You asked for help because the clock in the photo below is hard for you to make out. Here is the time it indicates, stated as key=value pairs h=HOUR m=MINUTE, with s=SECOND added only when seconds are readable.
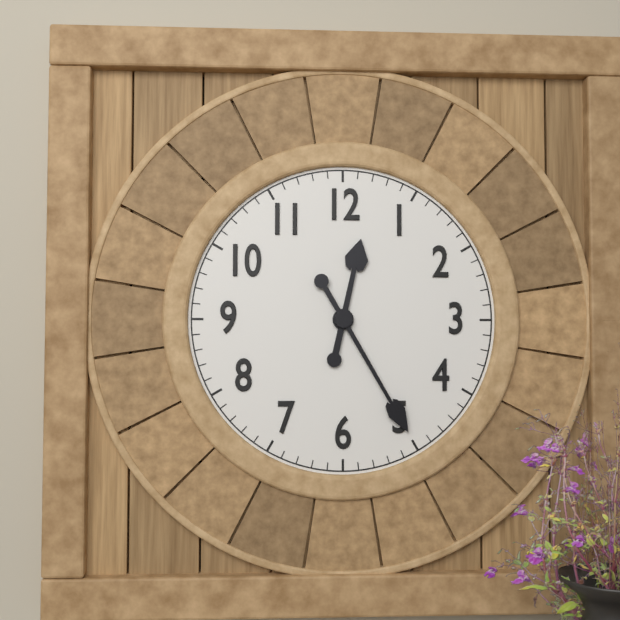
h=12 m=25
